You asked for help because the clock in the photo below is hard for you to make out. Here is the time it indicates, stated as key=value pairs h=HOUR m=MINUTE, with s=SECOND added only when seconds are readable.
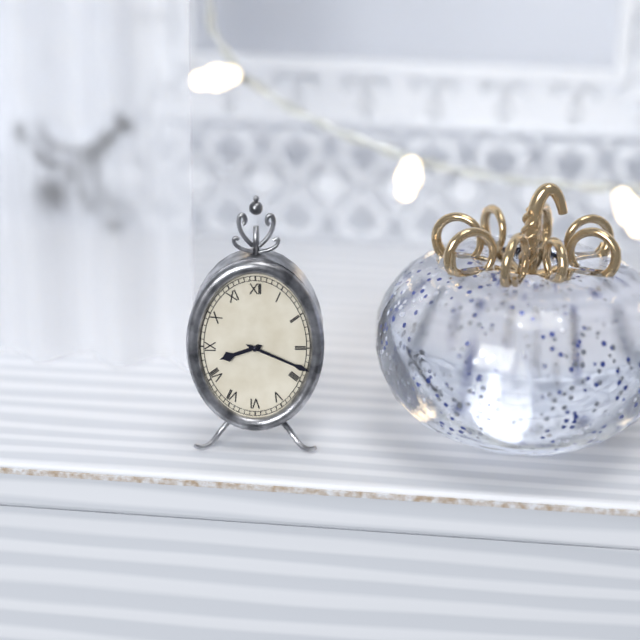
h=8 m=19
